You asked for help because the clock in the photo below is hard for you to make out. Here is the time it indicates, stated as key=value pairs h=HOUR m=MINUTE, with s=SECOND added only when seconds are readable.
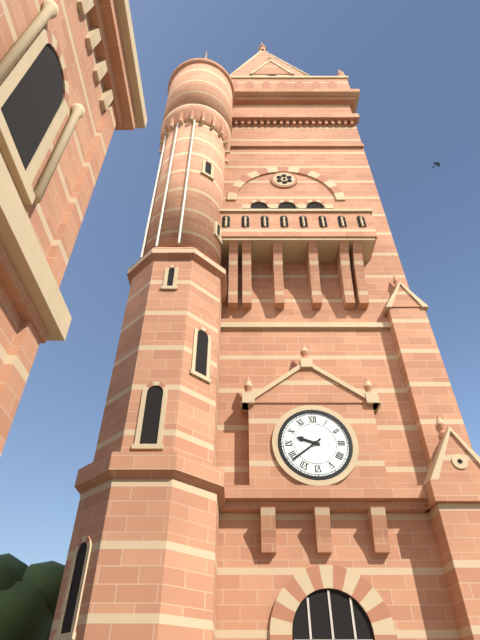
h=9 m=39
